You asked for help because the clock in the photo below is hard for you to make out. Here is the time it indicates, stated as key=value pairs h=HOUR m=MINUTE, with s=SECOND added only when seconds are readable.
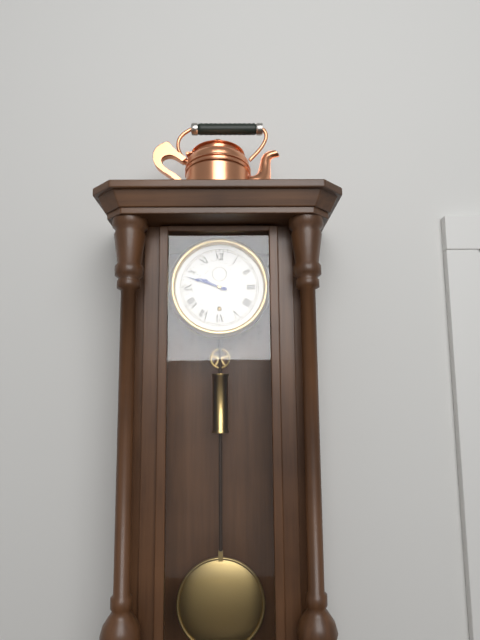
h=9 m=48
